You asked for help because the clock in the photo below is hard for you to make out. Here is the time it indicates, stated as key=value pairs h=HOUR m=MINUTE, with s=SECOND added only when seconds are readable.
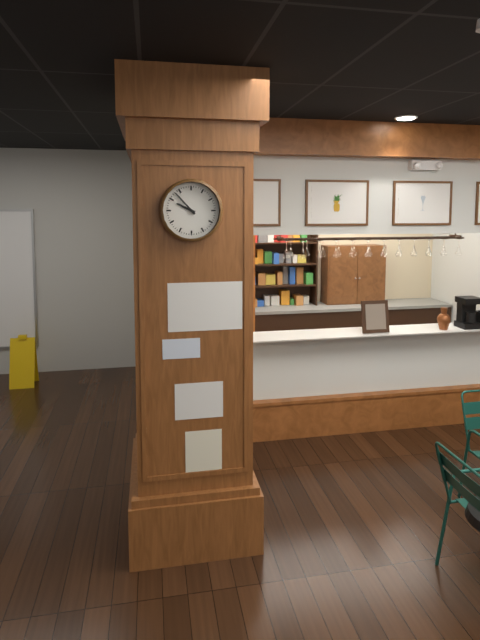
h=9 m=53
